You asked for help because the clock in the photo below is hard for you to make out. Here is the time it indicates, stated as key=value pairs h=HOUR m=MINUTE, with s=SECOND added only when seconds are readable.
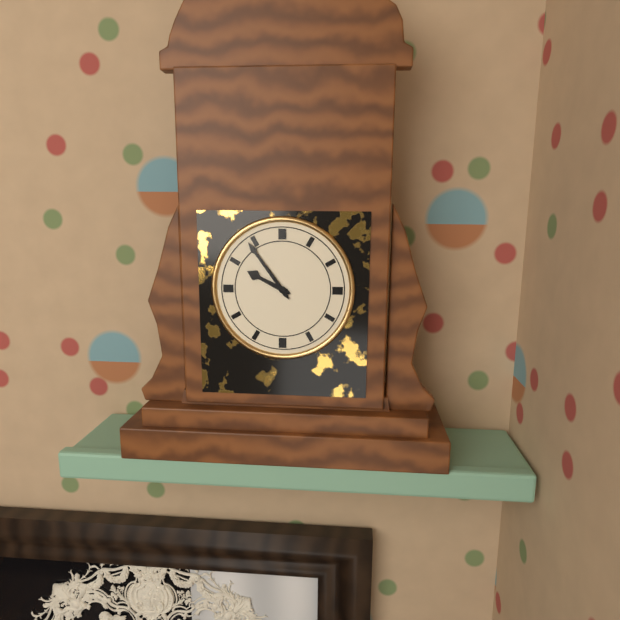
h=9 m=54
